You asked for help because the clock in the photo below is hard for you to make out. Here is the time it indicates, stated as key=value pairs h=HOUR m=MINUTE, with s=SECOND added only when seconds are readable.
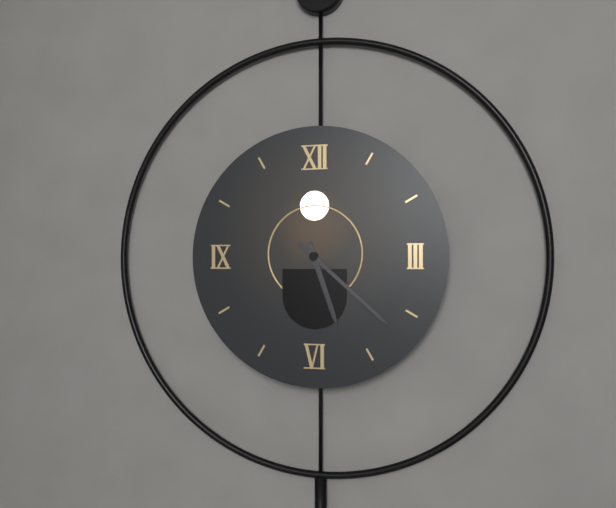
h=5 m=22
